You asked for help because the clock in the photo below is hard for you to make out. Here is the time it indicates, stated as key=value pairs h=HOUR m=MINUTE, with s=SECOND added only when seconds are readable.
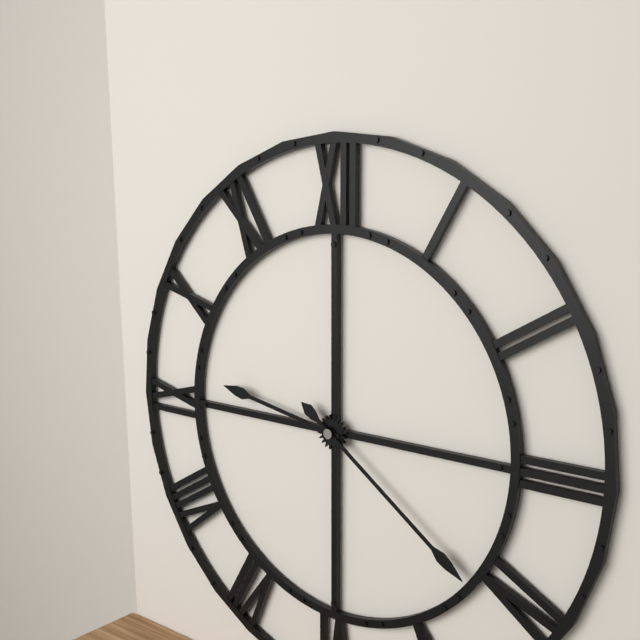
h=9 m=21
